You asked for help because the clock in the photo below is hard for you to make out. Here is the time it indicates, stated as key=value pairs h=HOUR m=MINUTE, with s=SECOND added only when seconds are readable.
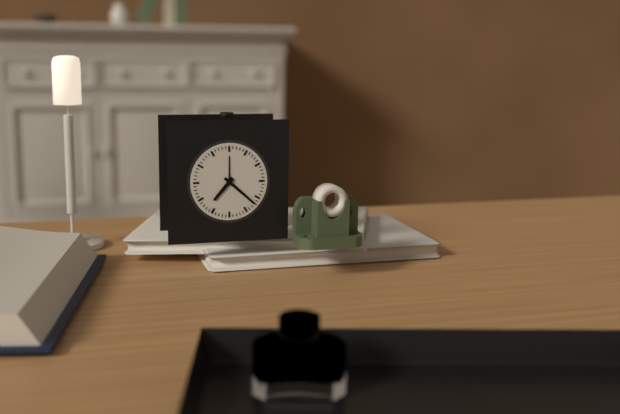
h=7 m=22
